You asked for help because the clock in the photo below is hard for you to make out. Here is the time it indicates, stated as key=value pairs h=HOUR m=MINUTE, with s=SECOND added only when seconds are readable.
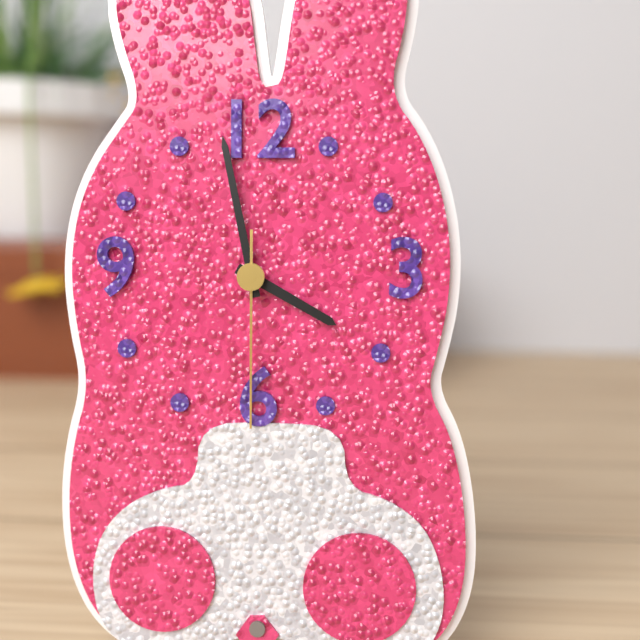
h=3 m=58 s=30
